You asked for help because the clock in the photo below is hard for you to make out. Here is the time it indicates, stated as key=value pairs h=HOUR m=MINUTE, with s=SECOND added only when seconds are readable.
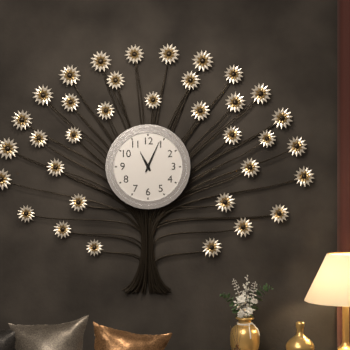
h=11 m=4
